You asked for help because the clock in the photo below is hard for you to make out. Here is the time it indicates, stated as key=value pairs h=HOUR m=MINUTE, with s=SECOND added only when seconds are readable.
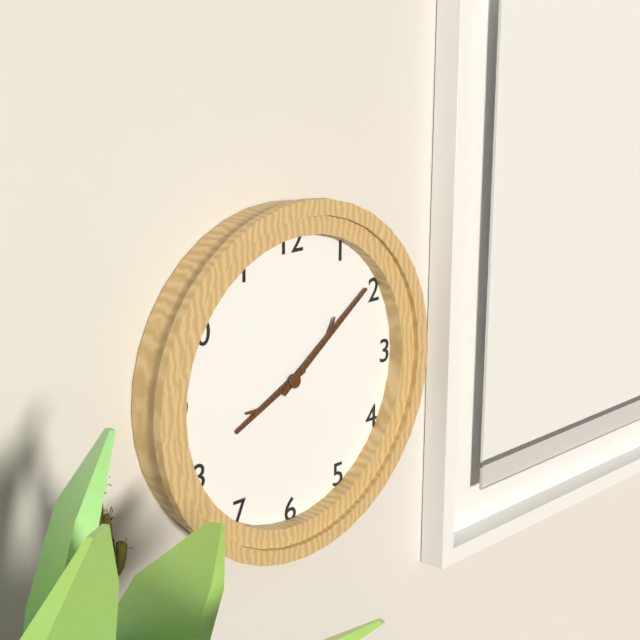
h=8 m=9
